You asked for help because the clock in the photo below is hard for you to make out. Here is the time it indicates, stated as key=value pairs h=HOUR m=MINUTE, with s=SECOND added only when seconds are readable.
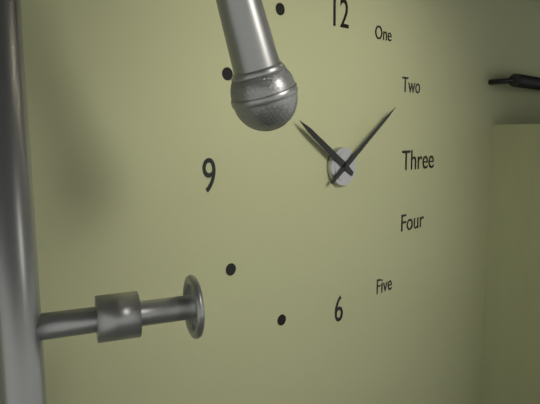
h=10 m=9
